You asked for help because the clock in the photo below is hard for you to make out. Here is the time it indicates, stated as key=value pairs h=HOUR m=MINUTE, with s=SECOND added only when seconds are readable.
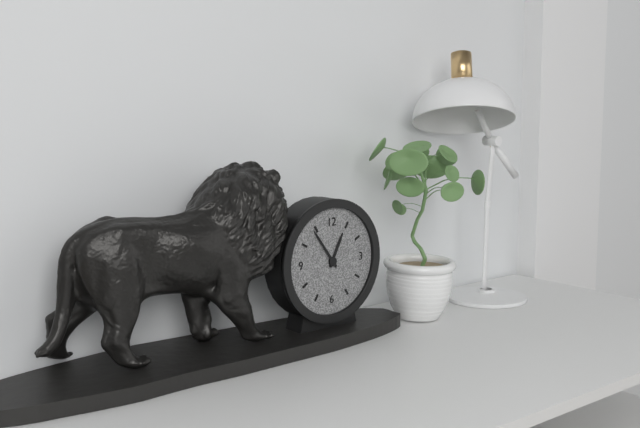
h=12 m=54
